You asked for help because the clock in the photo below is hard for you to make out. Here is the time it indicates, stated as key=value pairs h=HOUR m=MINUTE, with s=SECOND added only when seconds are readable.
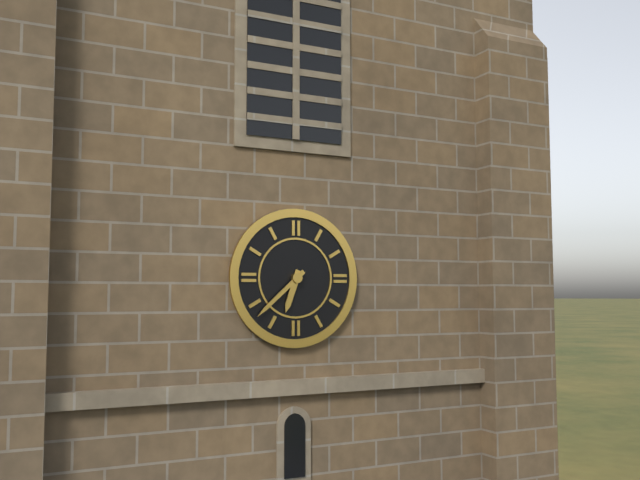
h=6 m=38
